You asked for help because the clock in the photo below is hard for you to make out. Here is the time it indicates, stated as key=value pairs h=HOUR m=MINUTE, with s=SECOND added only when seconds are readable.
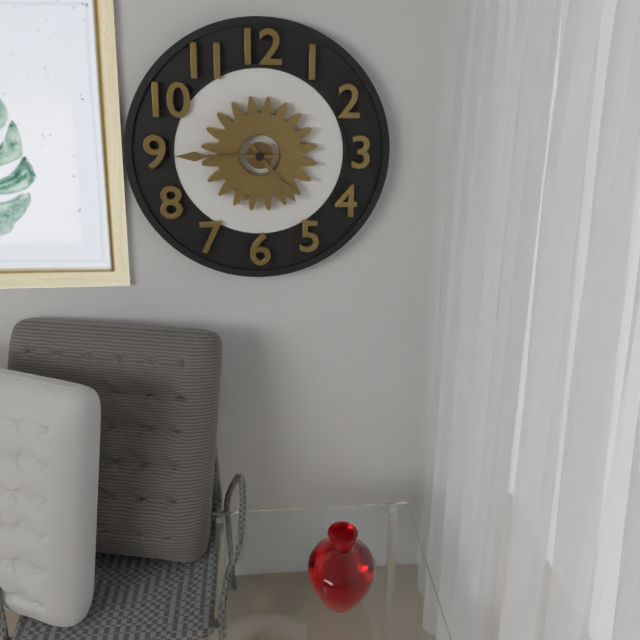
h=4 m=45
